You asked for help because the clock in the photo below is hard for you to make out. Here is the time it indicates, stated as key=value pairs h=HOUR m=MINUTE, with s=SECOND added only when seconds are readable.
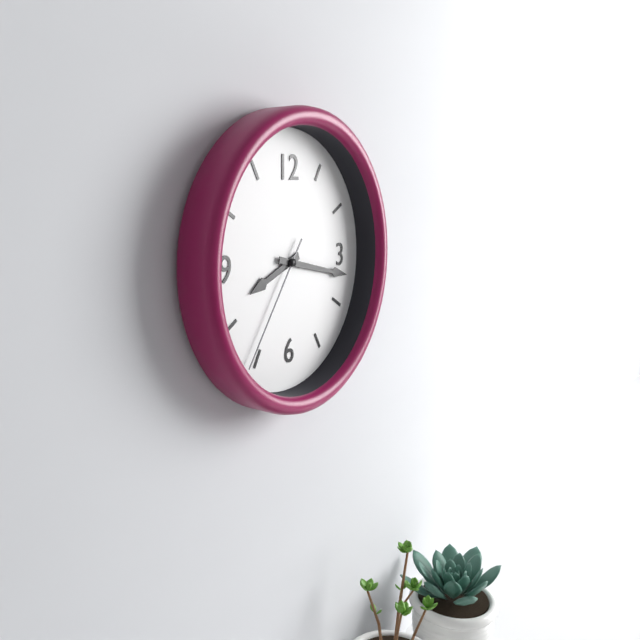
h=8 m=17 s=36
